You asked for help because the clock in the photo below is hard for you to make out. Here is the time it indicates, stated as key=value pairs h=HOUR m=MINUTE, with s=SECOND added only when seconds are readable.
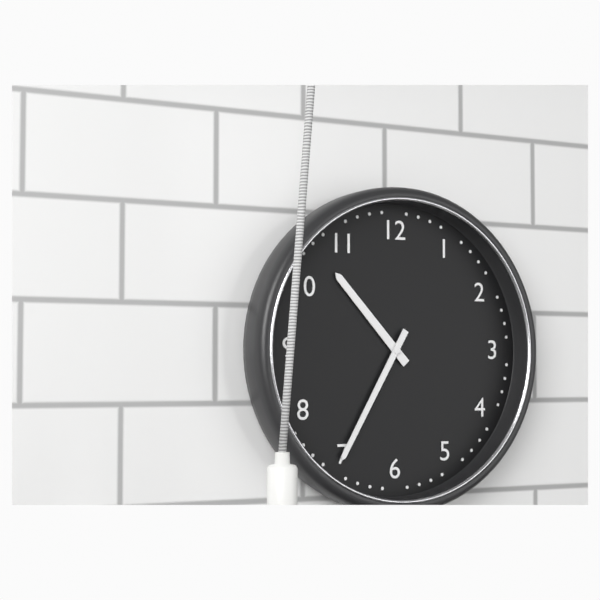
h=10 m=35
